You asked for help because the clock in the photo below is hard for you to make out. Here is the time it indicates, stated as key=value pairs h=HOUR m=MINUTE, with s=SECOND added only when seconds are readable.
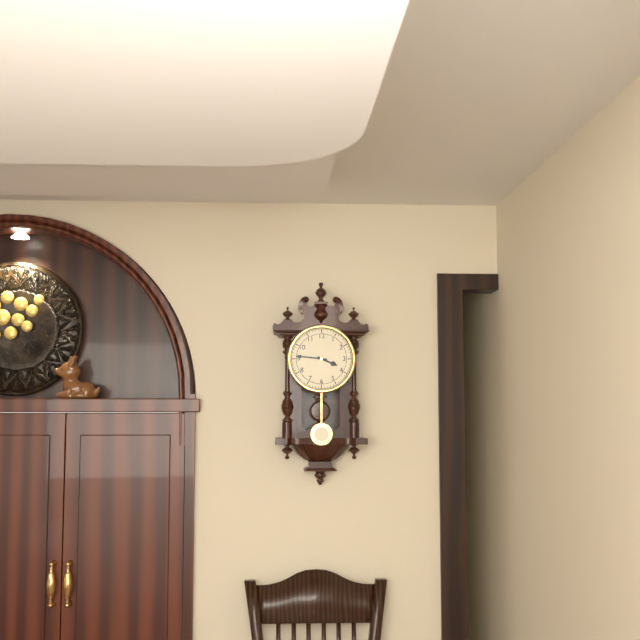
h=3 m=46
